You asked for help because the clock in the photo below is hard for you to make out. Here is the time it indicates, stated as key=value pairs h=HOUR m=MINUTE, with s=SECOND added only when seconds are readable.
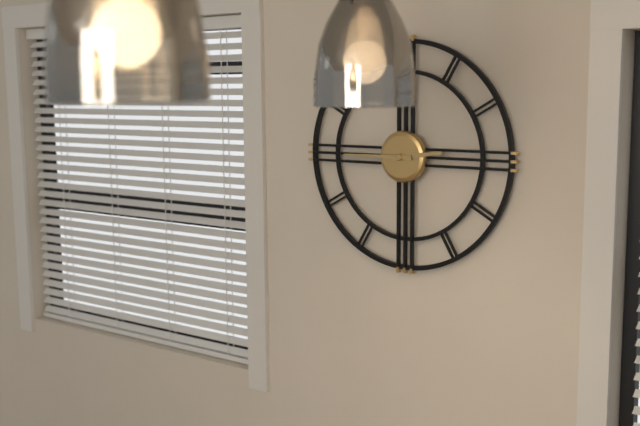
h=2 m=45
